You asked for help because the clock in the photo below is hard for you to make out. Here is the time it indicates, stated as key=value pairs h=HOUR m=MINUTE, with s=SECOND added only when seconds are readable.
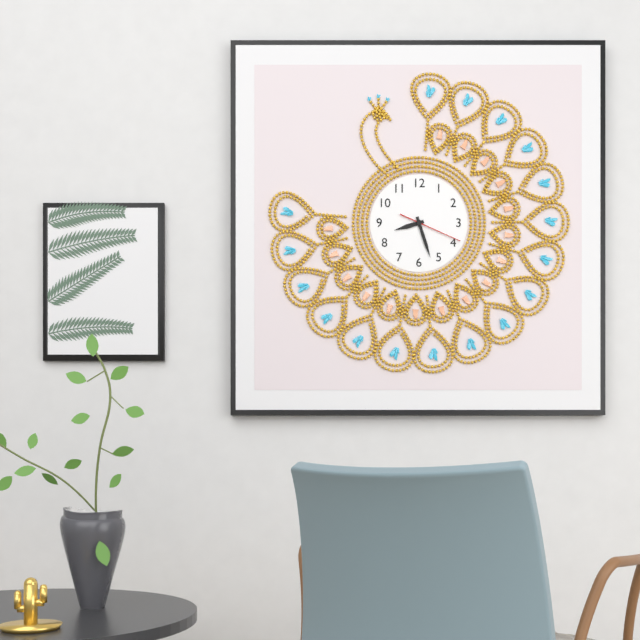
h=8 m=27 s=19
